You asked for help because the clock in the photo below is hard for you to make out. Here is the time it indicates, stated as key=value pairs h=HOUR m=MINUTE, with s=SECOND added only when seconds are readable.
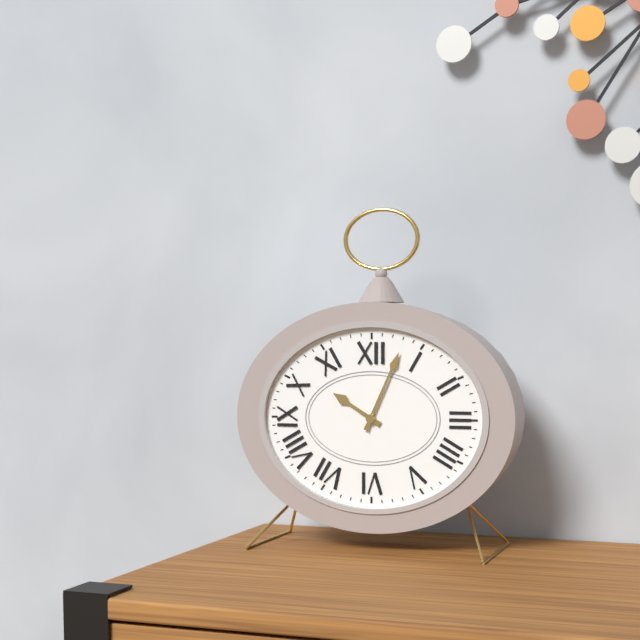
h=10 m=4
